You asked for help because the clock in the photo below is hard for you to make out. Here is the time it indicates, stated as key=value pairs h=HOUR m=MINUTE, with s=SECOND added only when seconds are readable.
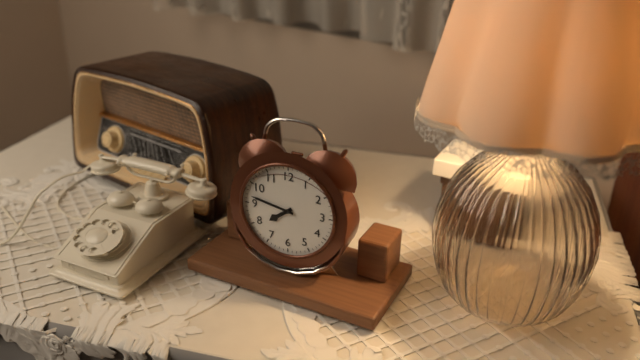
h=7 m=47
